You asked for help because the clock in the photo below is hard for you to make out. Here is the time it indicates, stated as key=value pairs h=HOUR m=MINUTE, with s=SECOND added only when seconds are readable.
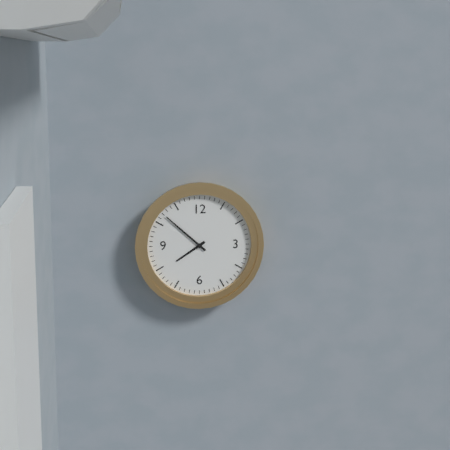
h=7 m=52
